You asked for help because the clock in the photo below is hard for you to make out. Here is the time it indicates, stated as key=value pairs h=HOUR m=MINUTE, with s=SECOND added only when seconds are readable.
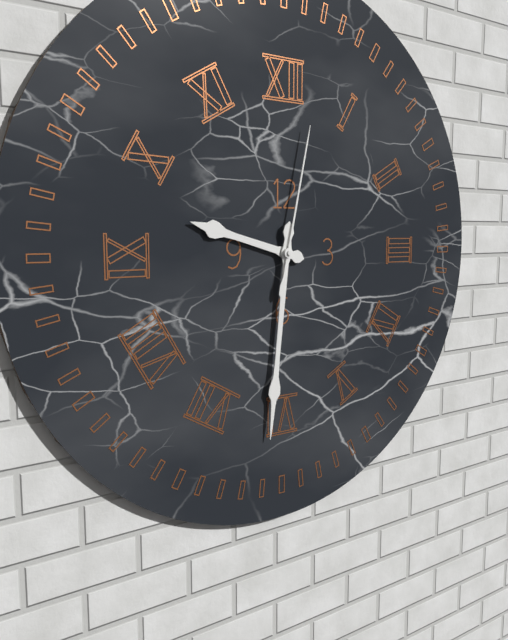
h=9 m=31 s=2
